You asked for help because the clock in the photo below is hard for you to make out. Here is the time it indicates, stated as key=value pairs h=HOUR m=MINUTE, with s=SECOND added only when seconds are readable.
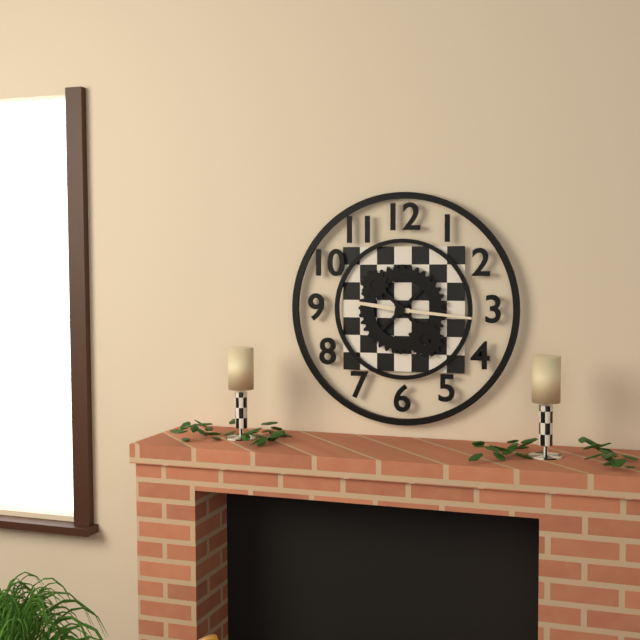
h=9 m=16
